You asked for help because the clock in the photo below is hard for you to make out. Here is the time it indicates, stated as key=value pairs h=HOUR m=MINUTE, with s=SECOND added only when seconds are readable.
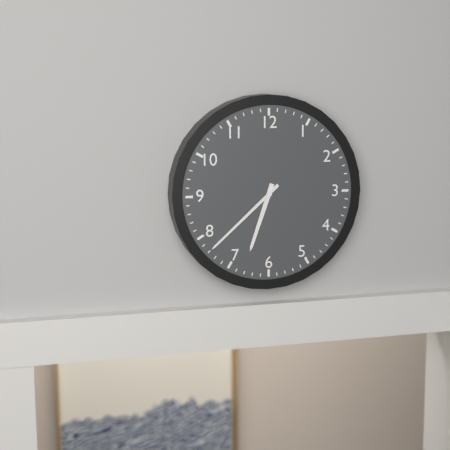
h=6 m=38
